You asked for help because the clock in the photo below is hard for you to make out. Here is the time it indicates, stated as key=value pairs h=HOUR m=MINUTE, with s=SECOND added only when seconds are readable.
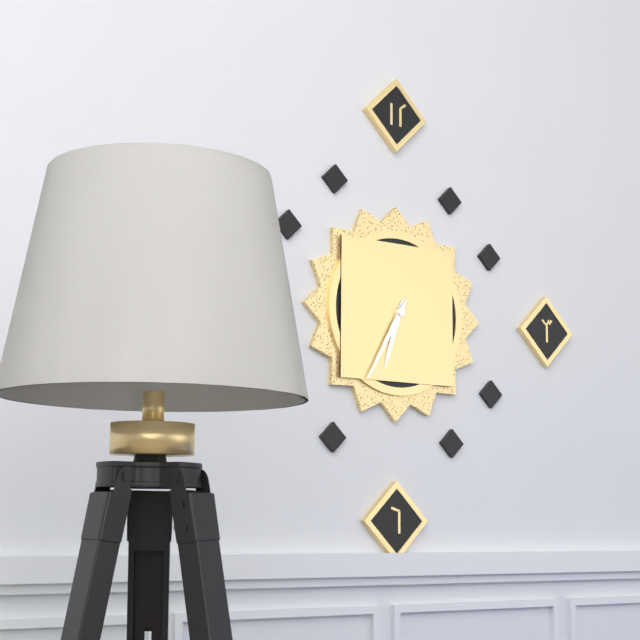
h=6 m=35
